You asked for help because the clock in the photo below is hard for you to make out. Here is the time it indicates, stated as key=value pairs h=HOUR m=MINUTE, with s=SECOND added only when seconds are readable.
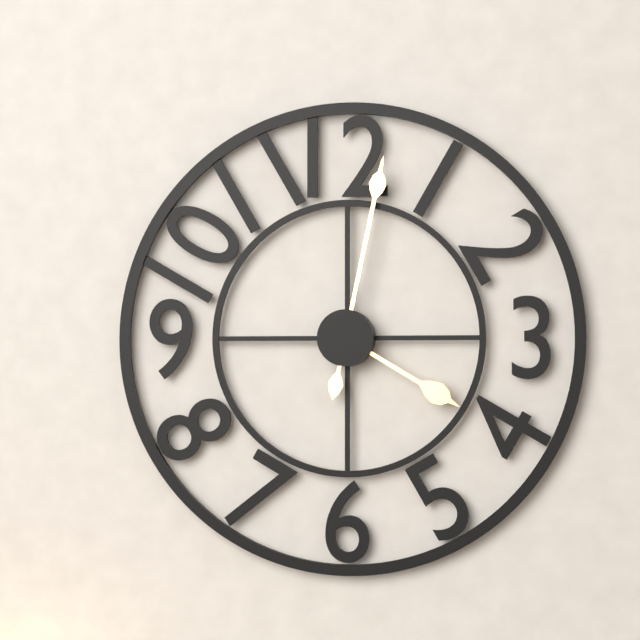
h=4 m=2
